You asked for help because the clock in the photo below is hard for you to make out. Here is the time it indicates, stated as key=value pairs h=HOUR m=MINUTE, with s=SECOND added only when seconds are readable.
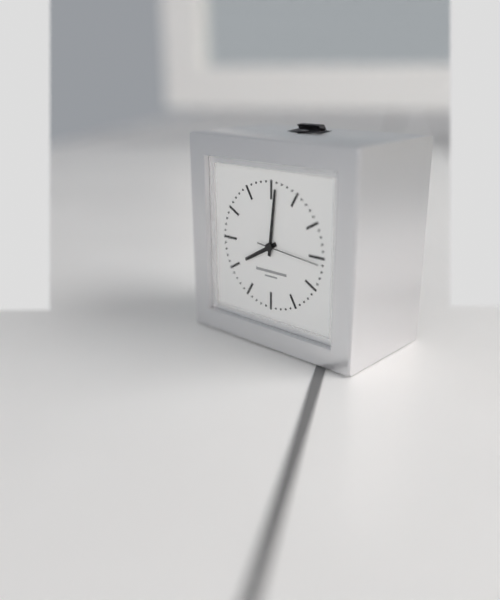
h=8 m=1 s=16
